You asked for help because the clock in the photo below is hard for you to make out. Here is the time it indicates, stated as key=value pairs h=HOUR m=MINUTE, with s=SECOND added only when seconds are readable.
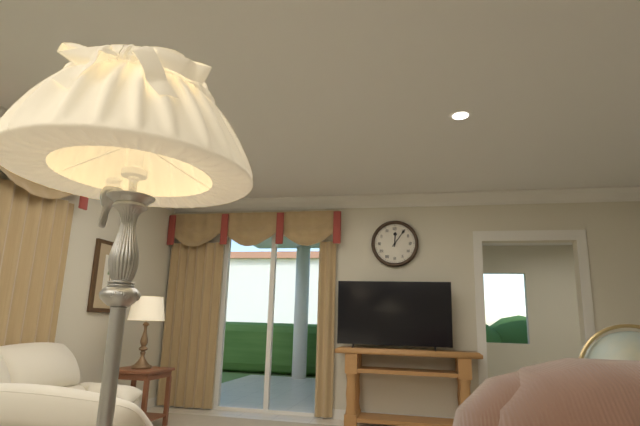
h=12 m=6
